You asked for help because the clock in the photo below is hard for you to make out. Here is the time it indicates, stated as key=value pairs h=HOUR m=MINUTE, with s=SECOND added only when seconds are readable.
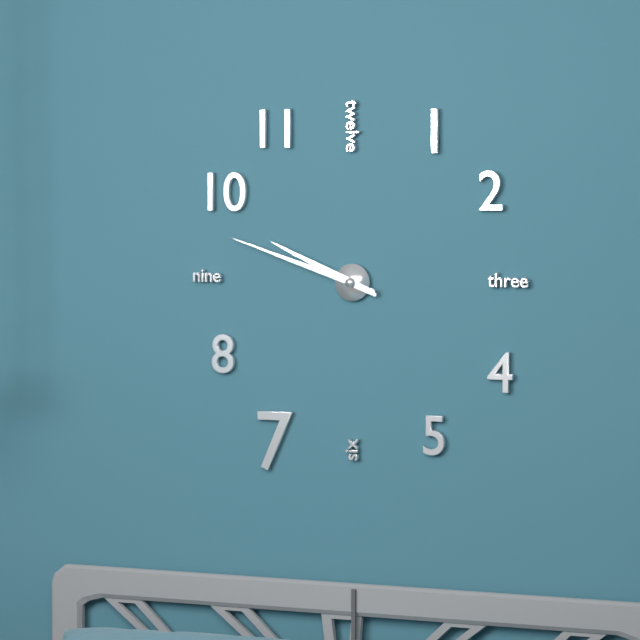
h=9 m=48
